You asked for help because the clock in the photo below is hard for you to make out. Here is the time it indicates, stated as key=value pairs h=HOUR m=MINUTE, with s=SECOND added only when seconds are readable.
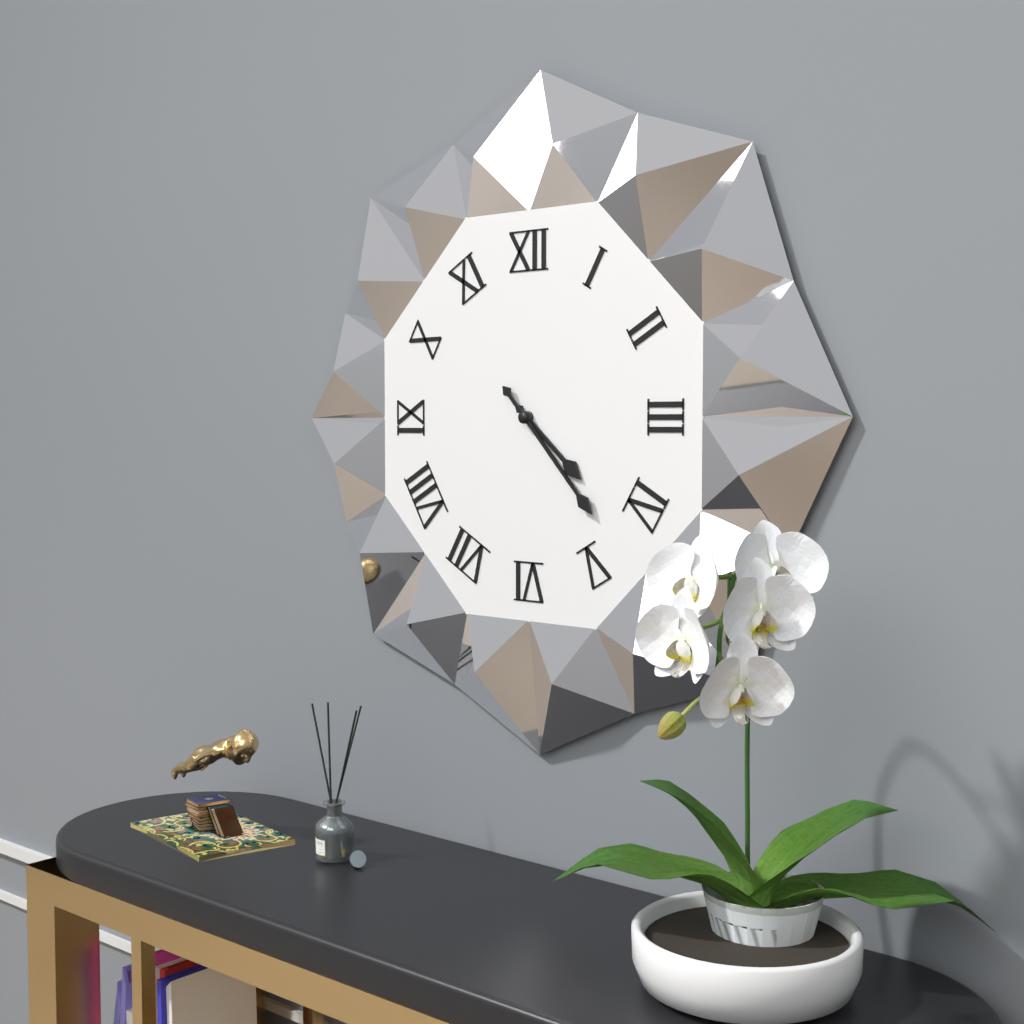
h=4 m=23
